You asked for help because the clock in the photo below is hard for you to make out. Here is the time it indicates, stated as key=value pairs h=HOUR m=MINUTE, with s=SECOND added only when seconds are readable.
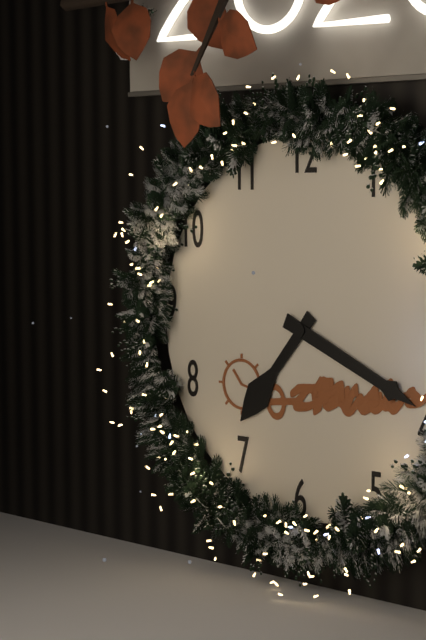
h=7 m=19
